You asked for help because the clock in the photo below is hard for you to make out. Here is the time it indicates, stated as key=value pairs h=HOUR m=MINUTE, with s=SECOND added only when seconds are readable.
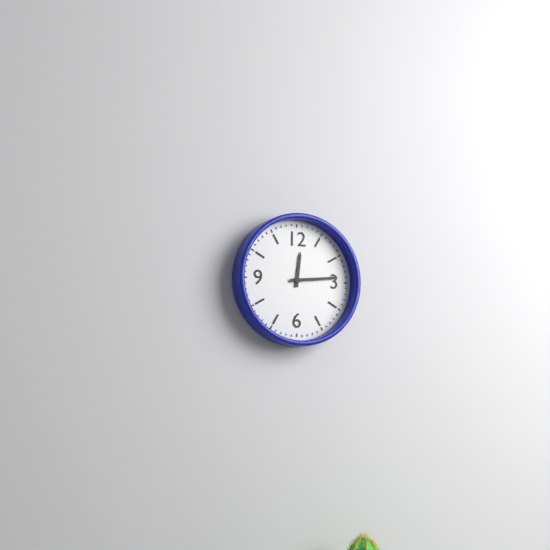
h=12 m=14
